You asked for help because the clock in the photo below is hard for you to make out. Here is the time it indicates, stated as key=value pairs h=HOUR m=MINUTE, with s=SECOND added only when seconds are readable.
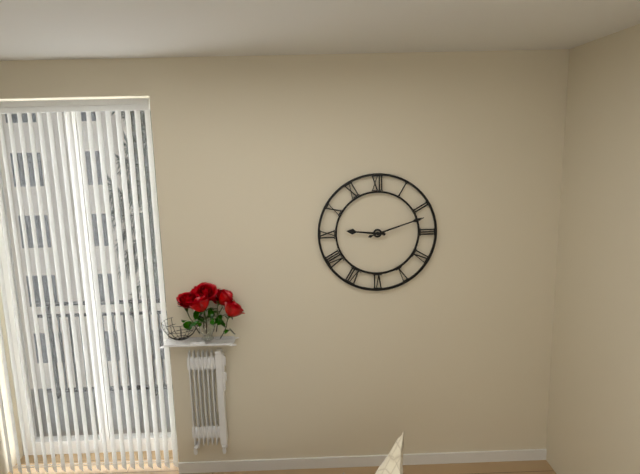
h=9 m=12
